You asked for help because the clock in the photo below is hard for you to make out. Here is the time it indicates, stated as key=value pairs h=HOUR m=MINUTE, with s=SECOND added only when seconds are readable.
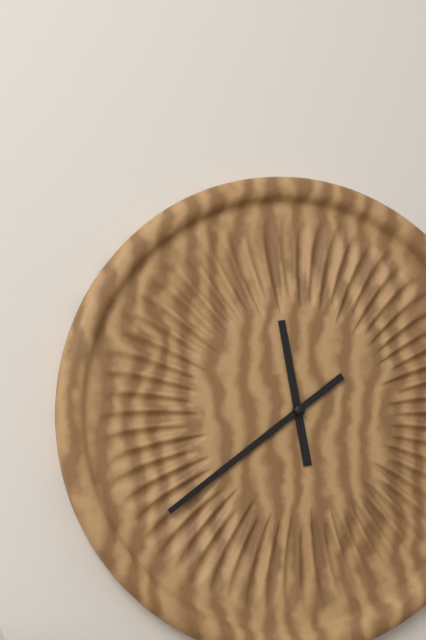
h=11 m=39
